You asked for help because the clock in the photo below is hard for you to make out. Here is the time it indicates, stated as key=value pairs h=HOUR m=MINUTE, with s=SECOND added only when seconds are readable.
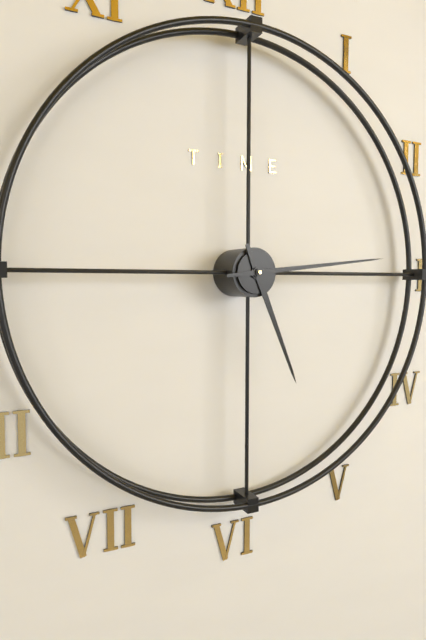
h=5 m=14
